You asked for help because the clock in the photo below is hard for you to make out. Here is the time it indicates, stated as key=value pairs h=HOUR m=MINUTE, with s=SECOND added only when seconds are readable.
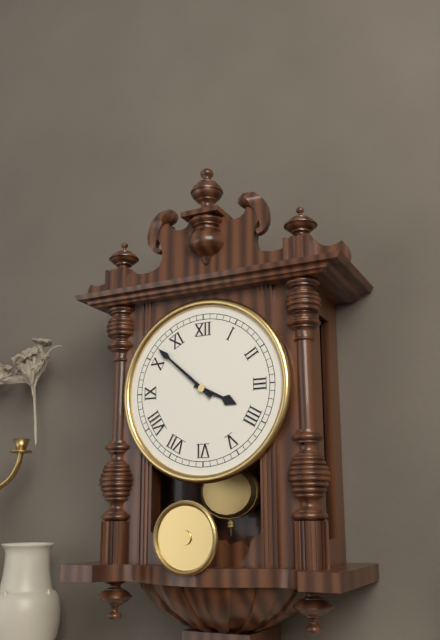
h=3 m=52
